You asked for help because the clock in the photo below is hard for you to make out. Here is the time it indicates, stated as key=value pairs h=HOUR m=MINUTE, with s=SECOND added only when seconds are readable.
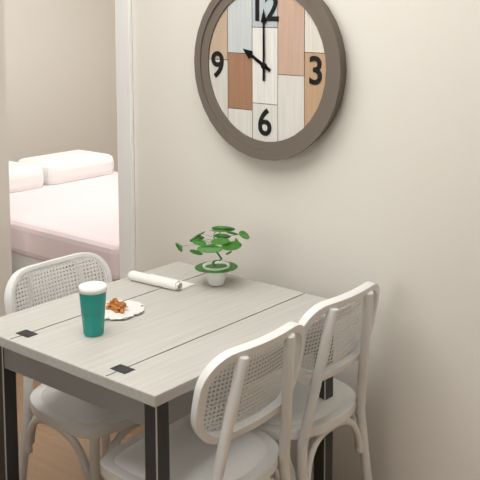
h=10 m=0
